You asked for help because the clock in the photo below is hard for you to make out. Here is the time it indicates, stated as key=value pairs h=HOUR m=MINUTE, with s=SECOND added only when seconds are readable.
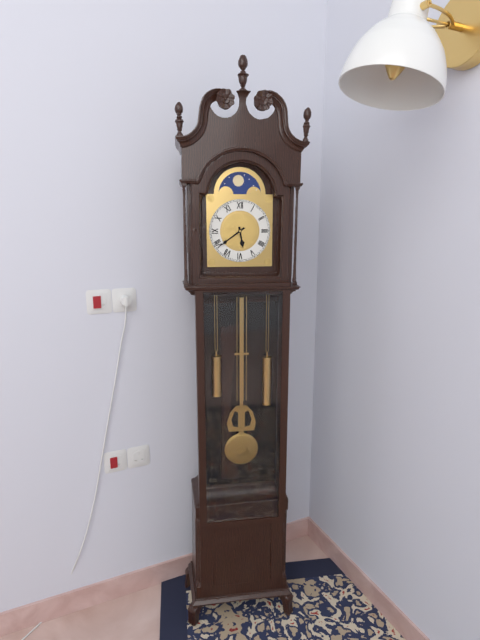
h=5 m=39
